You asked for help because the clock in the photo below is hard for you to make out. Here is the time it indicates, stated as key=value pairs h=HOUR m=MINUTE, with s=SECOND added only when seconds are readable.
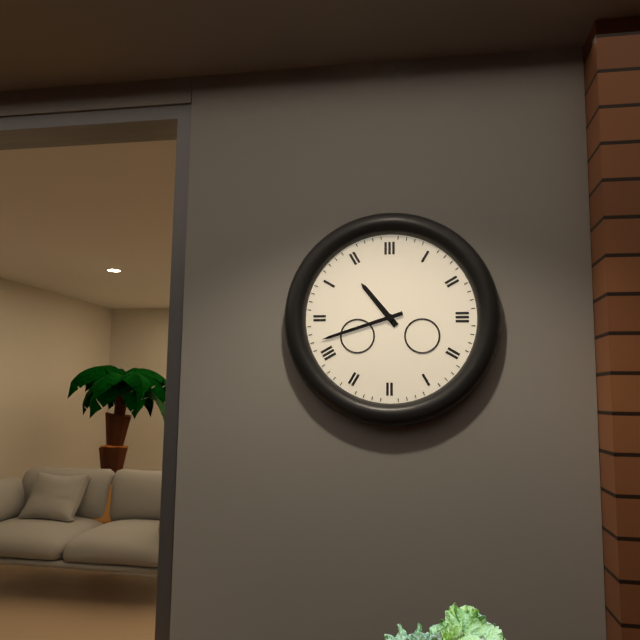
h=10 m=42
